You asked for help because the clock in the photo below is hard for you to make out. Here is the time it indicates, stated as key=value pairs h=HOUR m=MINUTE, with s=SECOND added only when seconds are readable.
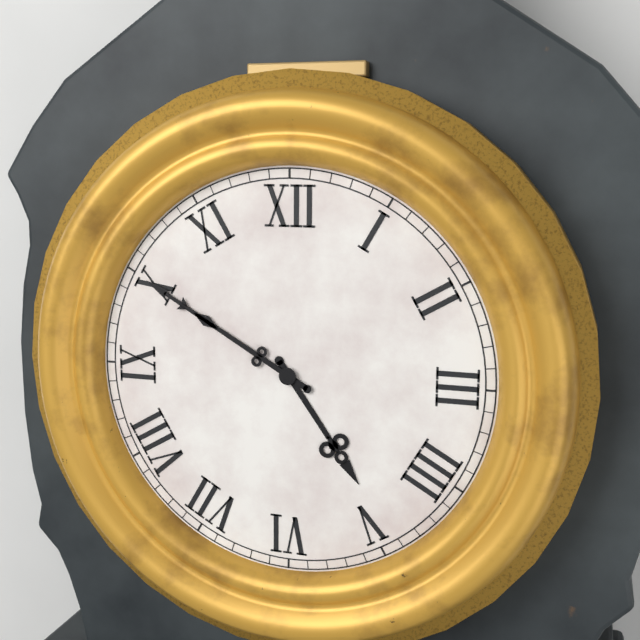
h=4 m=50
